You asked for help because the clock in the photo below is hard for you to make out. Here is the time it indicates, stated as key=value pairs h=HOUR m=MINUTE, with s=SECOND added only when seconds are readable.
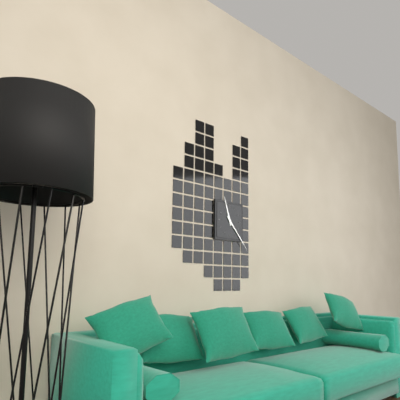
h=11 m=23
